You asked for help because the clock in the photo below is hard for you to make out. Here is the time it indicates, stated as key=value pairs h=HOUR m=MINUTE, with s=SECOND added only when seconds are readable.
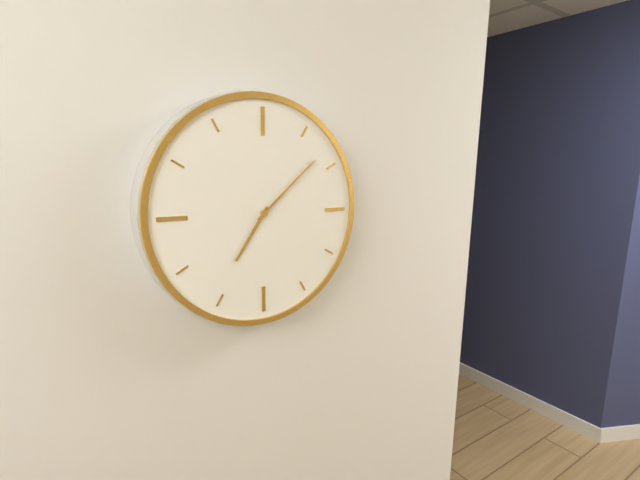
h=7 m=8
